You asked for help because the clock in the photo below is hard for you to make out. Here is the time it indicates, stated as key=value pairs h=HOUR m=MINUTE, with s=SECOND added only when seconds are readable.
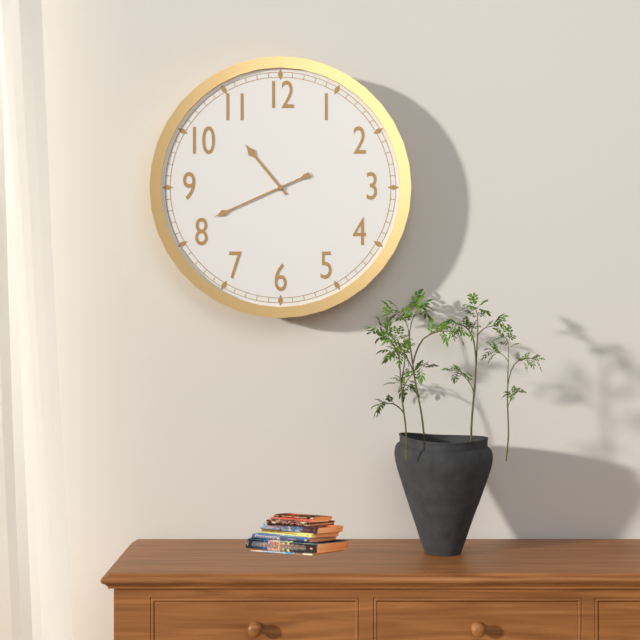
h=10 m=41
